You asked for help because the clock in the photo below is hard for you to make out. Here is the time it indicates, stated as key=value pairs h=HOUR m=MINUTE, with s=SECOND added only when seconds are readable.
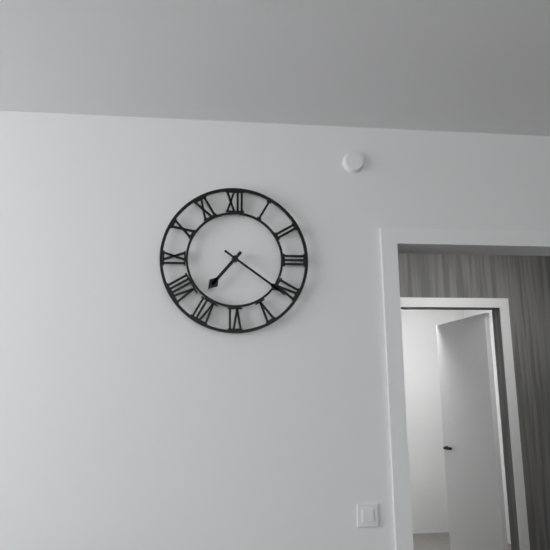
h=7 m=21
